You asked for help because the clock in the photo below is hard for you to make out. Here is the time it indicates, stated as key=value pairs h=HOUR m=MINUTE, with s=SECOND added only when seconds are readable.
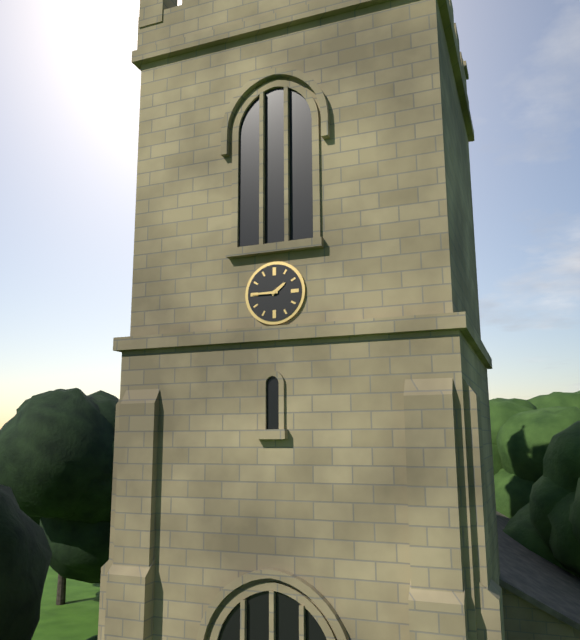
h=1 m=45
